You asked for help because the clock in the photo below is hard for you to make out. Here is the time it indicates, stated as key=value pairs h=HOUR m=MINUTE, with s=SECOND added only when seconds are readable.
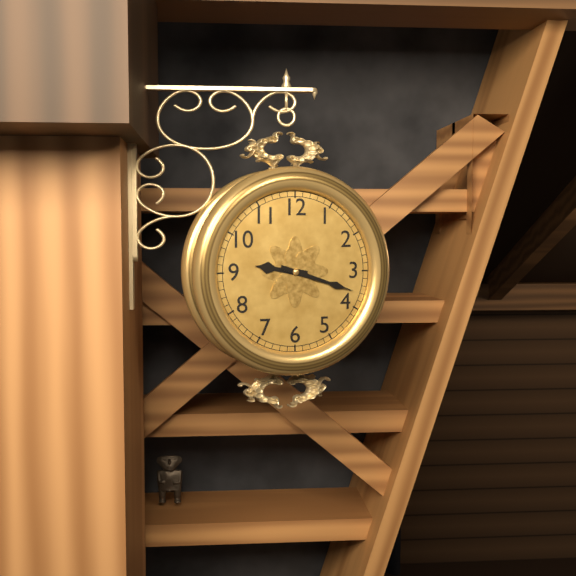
h=9 m=18
